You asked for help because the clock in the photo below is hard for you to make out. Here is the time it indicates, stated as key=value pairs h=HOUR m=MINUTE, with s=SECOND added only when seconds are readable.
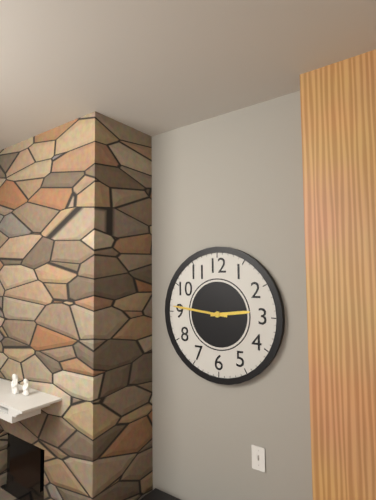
h=2 m=46
